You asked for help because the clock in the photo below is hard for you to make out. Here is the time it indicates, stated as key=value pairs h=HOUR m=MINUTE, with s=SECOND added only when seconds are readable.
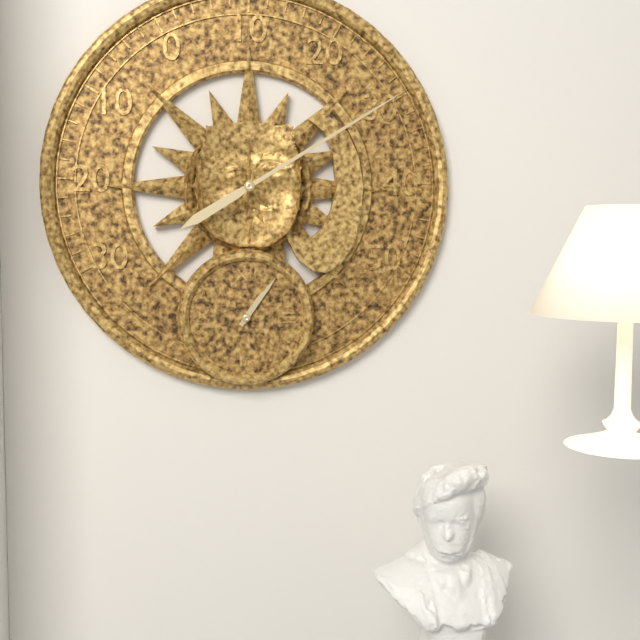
h=1 m=6
